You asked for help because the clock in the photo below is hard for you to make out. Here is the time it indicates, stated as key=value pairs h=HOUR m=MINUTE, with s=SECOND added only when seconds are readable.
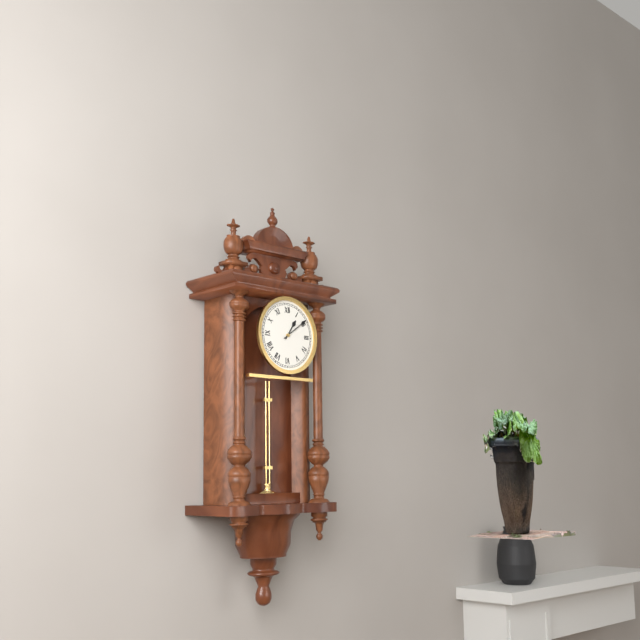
h=1 m=9
